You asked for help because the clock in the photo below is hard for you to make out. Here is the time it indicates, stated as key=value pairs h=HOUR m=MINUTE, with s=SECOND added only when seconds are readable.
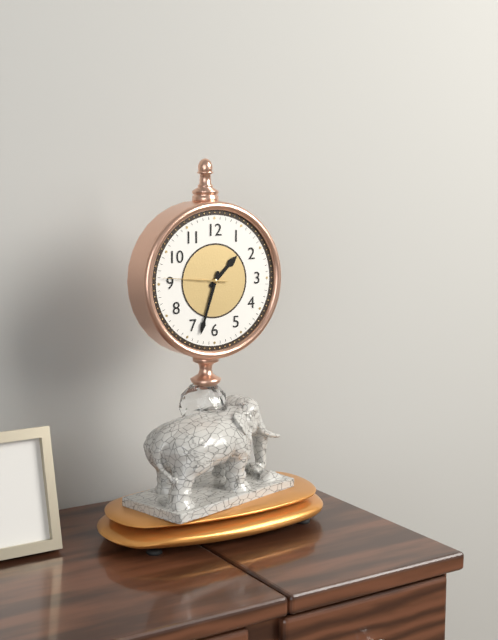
h=1 m=33 s=46
